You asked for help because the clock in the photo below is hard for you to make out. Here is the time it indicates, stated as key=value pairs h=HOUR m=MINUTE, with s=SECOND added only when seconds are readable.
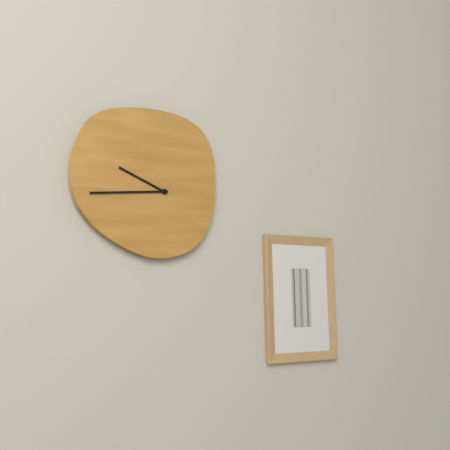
h=9 m=44
